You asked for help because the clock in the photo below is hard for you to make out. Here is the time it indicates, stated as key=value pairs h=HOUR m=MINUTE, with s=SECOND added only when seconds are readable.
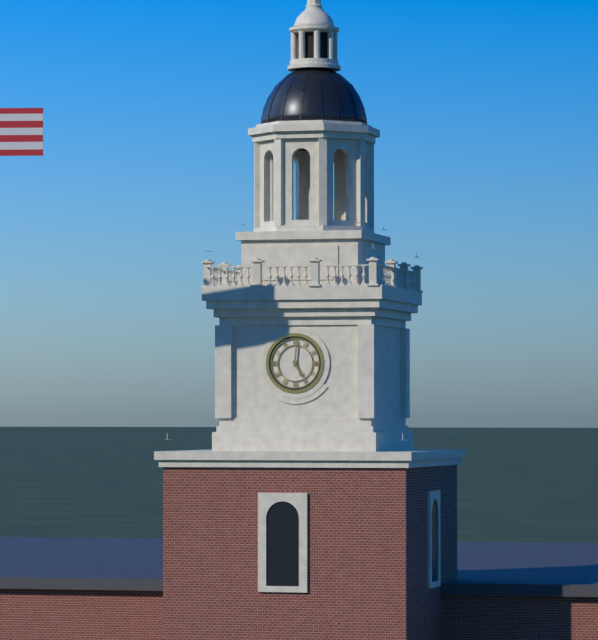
h=5 m=1
